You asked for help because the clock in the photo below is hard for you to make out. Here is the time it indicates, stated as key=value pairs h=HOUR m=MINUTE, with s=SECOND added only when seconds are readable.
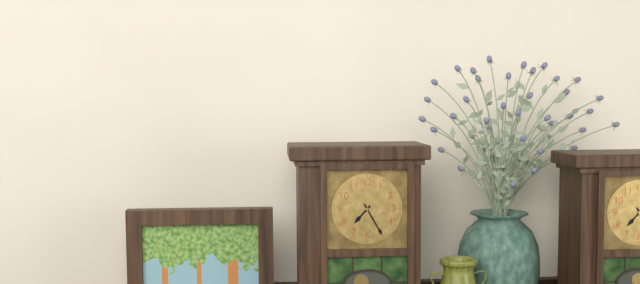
h=7 m=25
